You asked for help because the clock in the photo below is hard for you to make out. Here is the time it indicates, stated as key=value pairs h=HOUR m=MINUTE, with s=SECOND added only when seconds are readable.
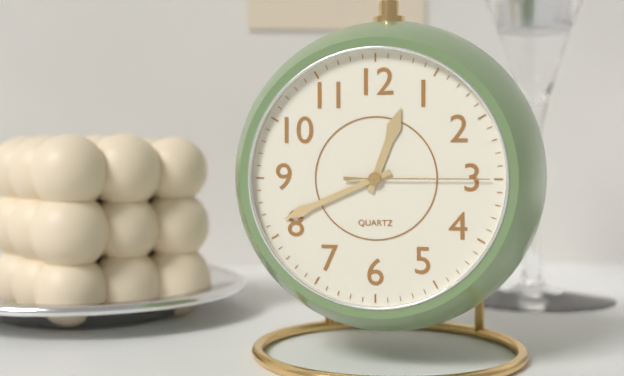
h=12 m=41 s=15
